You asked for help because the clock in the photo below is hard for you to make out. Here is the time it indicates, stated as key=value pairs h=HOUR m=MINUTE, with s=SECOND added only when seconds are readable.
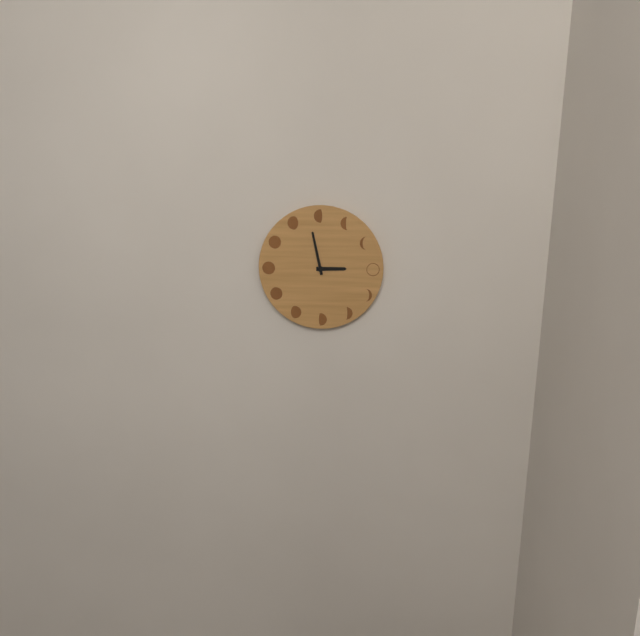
h=2 m=58
